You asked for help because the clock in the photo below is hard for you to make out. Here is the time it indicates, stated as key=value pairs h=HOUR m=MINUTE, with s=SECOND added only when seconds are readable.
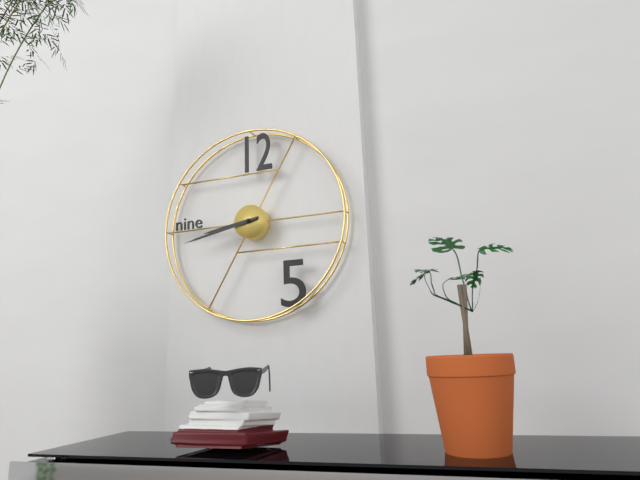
h=8 m=43
